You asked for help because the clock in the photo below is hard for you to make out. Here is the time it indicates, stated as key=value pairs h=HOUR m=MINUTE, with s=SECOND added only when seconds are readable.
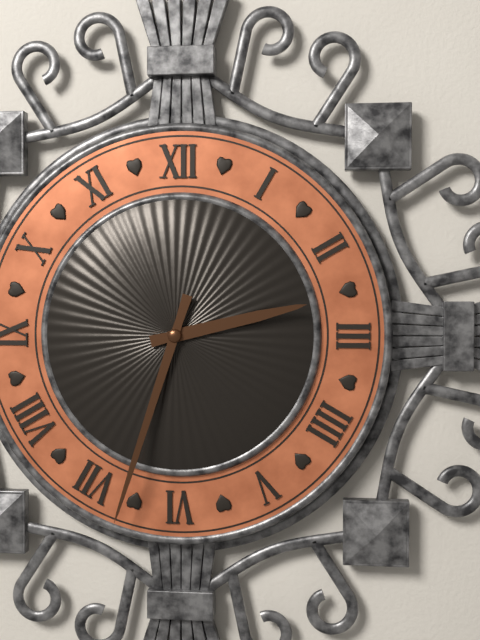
h=2 m=33
